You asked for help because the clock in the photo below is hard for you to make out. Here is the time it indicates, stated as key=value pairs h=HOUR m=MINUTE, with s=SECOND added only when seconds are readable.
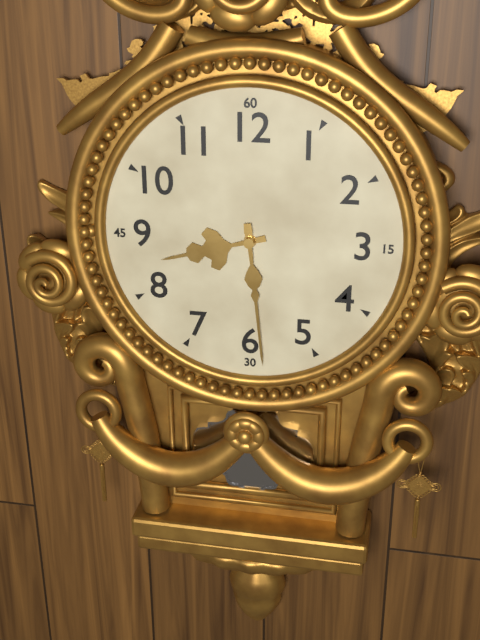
h=8 m=29
